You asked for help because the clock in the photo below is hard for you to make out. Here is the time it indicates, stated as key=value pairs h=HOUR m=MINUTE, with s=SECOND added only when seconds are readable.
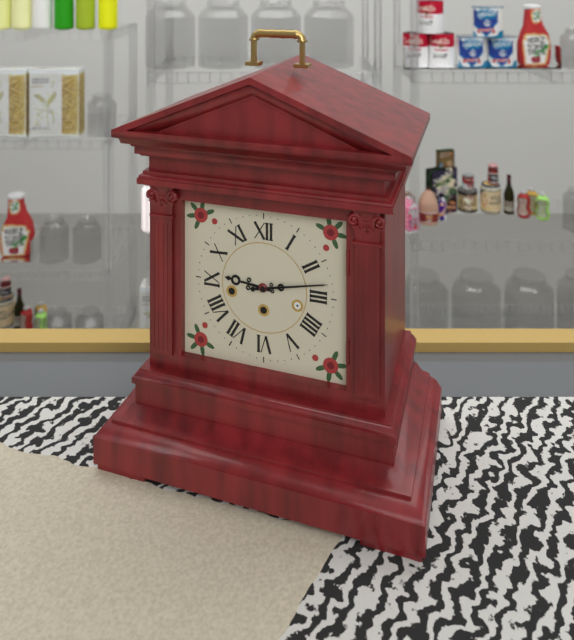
h=9 m=13
